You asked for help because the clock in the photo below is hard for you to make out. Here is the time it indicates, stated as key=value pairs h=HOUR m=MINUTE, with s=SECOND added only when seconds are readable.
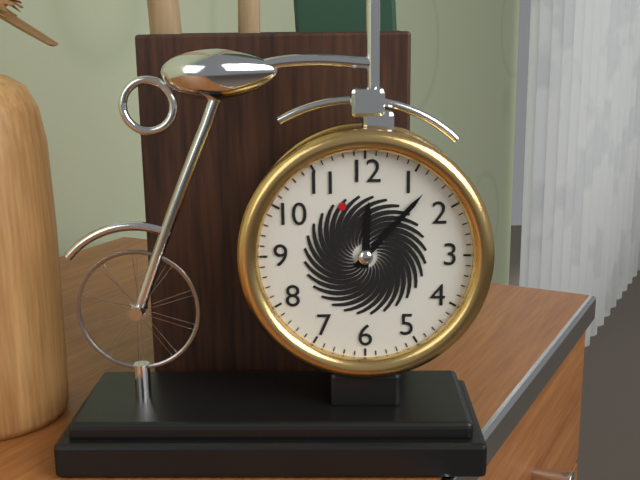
h=12 m=7
